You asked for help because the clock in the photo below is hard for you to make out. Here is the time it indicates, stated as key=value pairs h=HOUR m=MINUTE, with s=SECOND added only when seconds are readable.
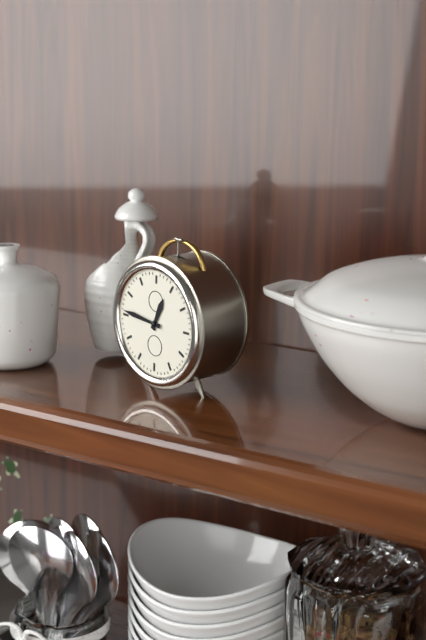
h=12 m=46
